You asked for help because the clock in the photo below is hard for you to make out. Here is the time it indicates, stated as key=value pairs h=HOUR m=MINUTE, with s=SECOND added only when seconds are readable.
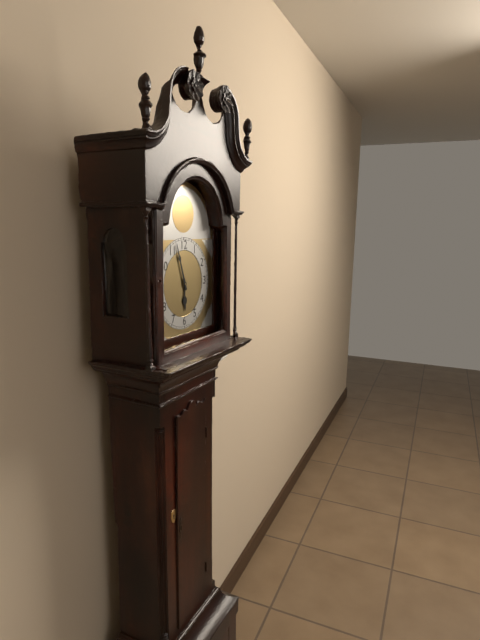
h=5 m=57
